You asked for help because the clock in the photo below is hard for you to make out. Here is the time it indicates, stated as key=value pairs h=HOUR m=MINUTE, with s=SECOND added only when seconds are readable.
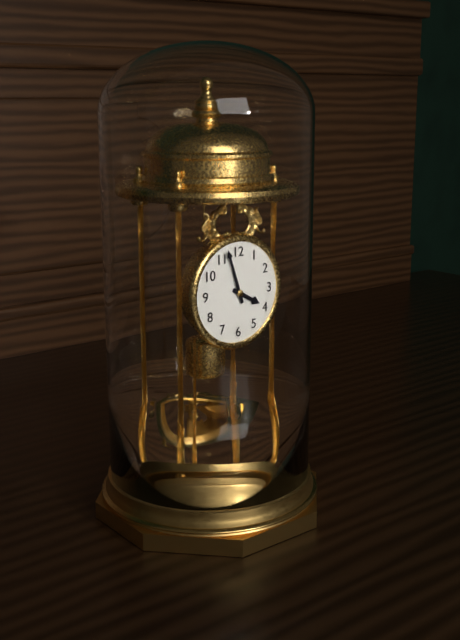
h=3 m=57
